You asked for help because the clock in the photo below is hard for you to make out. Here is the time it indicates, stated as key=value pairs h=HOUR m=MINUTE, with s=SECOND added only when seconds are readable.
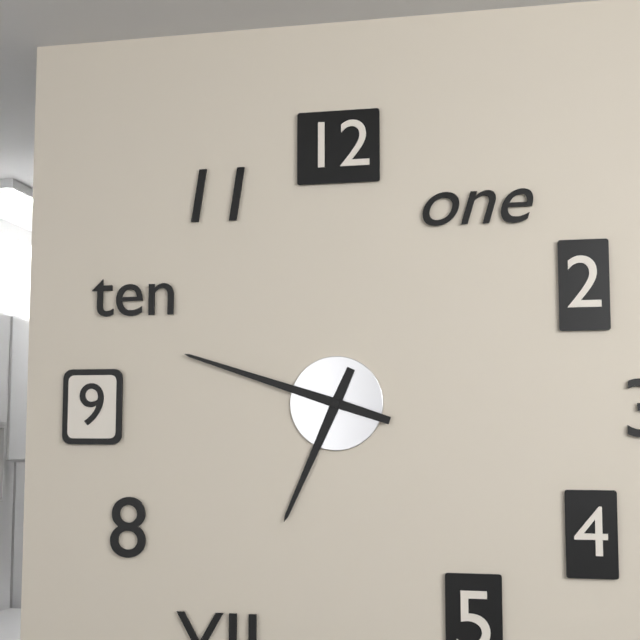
h=6 m=48
